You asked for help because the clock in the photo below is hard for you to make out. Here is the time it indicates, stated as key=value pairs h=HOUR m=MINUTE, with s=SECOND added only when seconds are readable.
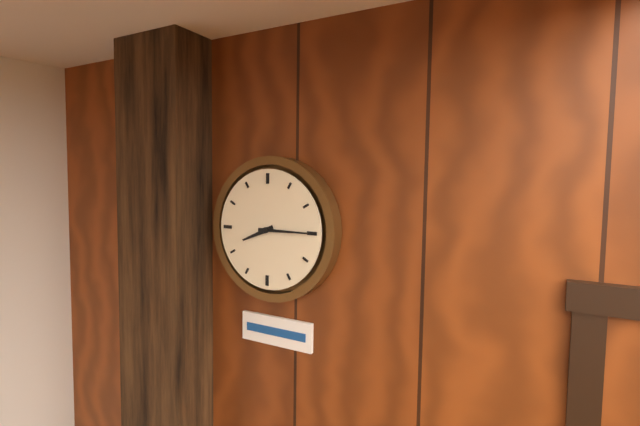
h=8 m=15
